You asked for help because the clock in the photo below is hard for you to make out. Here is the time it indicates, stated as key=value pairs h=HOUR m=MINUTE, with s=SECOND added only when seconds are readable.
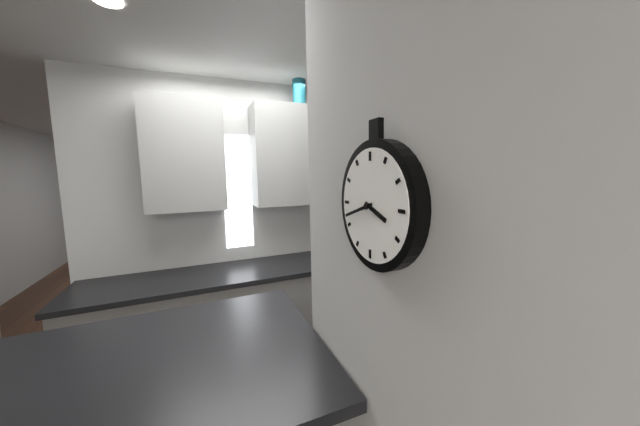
h=3 m=42
